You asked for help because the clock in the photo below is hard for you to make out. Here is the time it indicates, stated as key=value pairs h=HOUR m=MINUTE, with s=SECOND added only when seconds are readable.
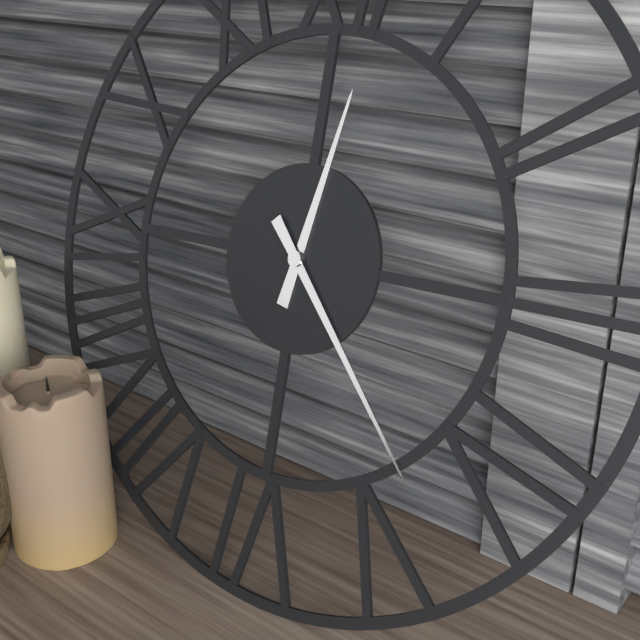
h=12 m=23
